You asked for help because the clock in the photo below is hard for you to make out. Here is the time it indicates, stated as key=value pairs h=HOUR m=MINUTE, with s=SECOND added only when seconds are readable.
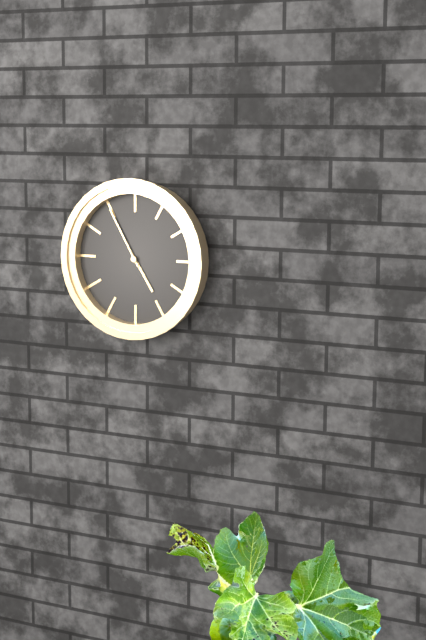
h=4 m=55
